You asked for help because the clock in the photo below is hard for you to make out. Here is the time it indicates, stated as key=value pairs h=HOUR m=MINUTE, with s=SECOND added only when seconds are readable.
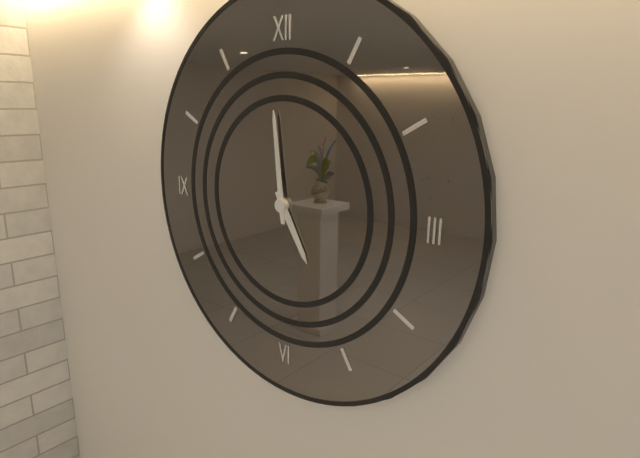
h=4 m=59
